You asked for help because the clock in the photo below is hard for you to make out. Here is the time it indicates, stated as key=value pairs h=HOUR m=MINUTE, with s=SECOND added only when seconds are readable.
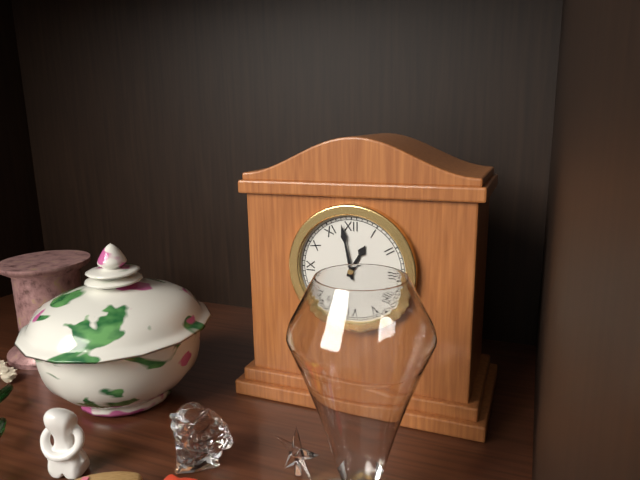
h=12 m=58
